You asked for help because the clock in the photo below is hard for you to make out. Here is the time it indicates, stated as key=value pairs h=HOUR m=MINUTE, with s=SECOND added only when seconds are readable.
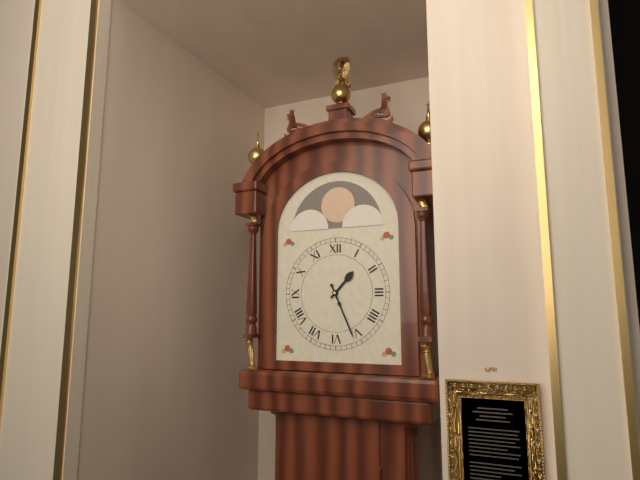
h=1 m=26
